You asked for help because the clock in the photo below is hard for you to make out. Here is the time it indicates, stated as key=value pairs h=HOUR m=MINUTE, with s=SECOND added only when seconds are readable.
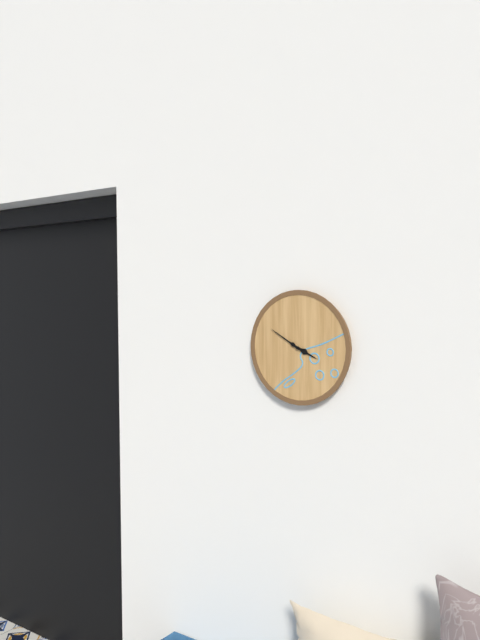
h=3 m=50
